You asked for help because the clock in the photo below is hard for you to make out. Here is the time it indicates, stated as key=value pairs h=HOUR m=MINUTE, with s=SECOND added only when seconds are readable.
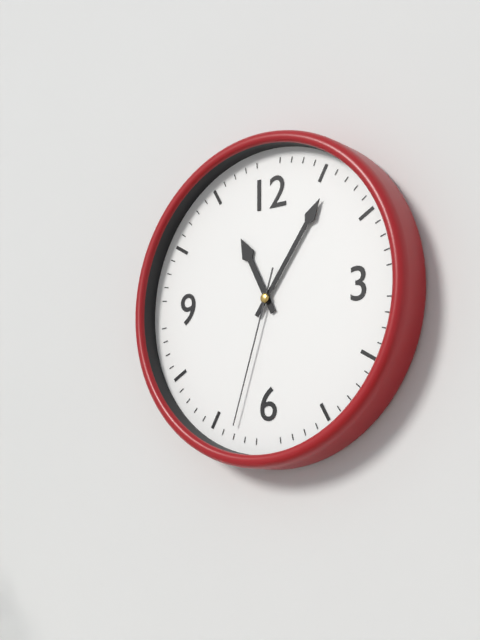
h=11 m=6 s=33
